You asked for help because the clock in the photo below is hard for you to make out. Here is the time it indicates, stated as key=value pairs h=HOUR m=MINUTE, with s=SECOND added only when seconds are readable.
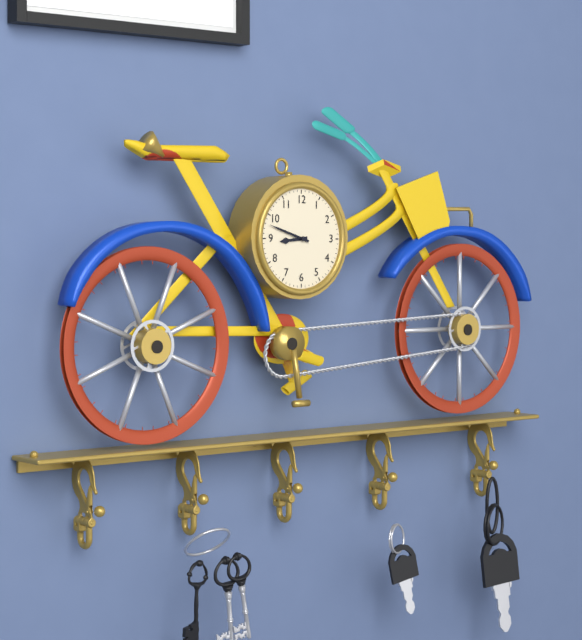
h=8 m=48
